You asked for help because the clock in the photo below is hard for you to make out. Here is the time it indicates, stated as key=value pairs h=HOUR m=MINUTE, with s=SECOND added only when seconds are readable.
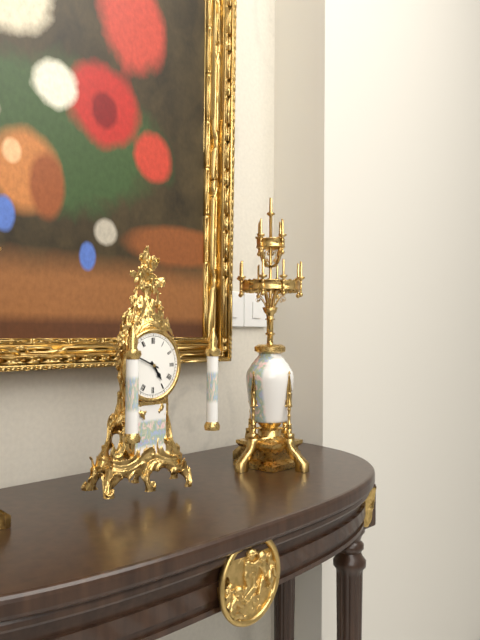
h=4 m=49
